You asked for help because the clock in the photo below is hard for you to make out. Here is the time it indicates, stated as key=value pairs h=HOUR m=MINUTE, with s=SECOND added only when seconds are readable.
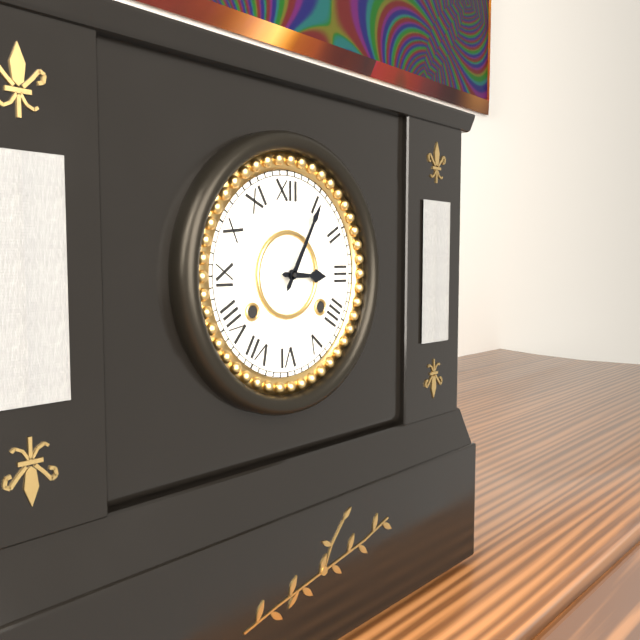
h=3 m=5
